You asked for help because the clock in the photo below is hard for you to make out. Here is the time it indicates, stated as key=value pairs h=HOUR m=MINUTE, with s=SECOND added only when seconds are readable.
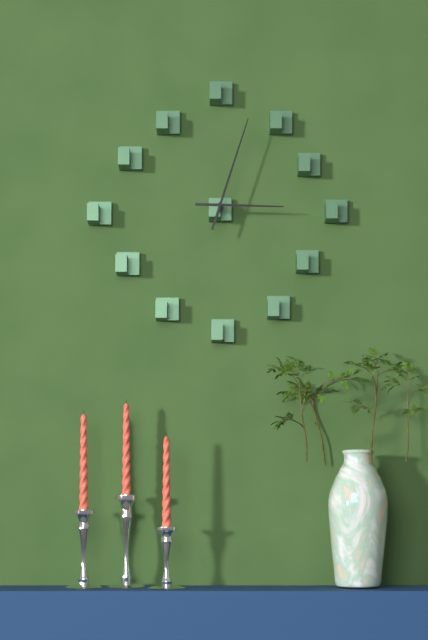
h=3 m=3
